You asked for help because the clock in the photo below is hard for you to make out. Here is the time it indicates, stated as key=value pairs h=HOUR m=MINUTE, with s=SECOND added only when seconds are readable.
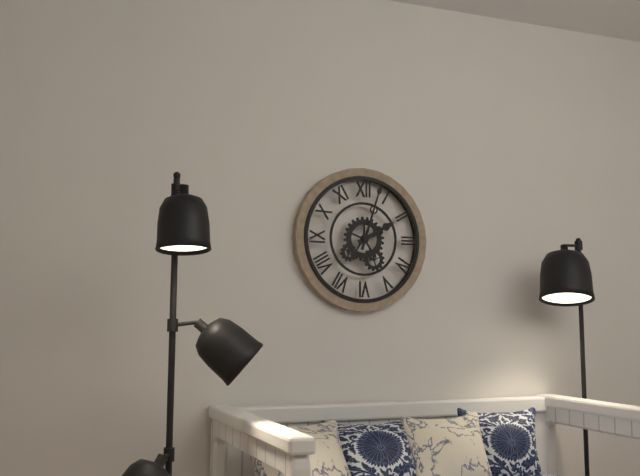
h=2 m=3
